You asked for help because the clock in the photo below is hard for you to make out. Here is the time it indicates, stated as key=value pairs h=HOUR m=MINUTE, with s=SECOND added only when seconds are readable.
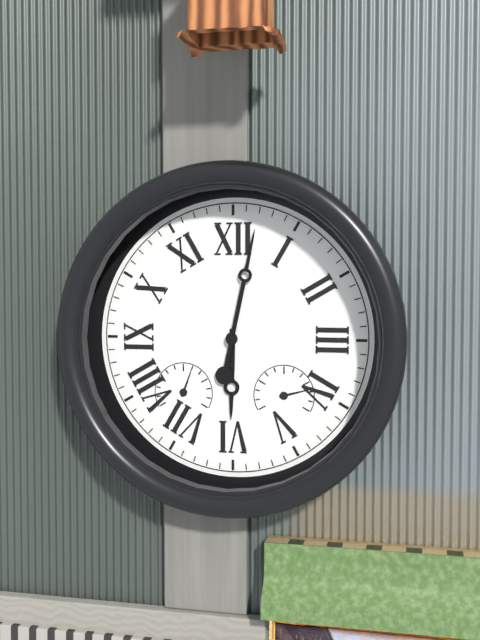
h=6 m=2
